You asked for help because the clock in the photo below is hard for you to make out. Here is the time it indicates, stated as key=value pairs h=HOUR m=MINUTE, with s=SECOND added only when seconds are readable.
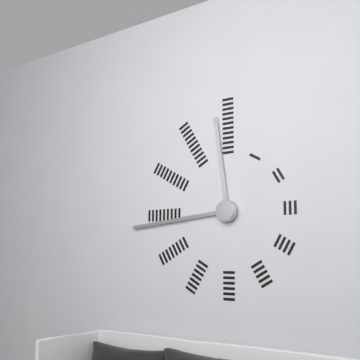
h=11 m=44
